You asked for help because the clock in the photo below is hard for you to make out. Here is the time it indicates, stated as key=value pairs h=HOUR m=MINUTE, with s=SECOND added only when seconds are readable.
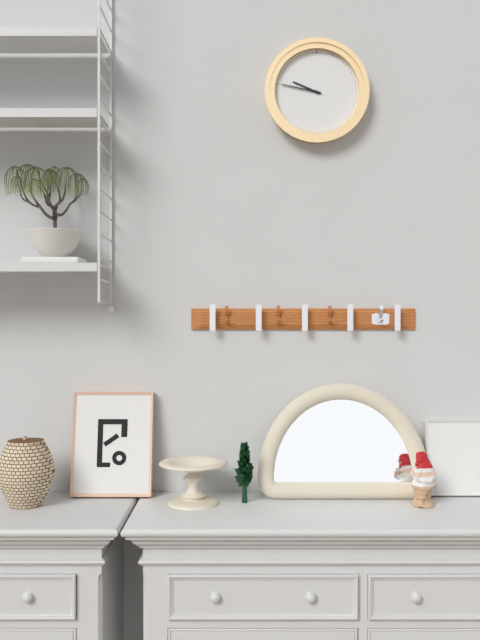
h=9 m=47
